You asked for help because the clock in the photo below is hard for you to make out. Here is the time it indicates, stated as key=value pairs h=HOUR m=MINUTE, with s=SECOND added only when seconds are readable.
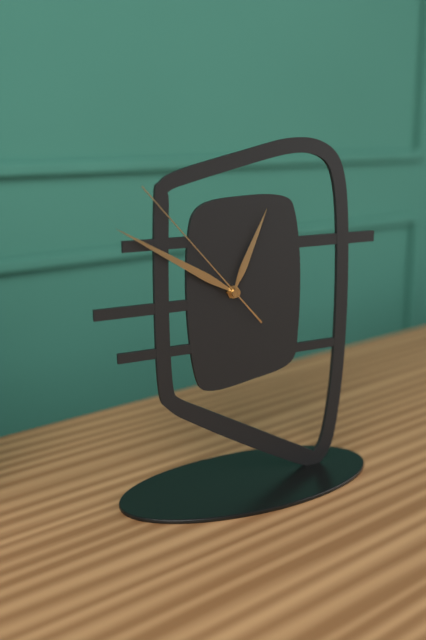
h=12 m=50 s=53
